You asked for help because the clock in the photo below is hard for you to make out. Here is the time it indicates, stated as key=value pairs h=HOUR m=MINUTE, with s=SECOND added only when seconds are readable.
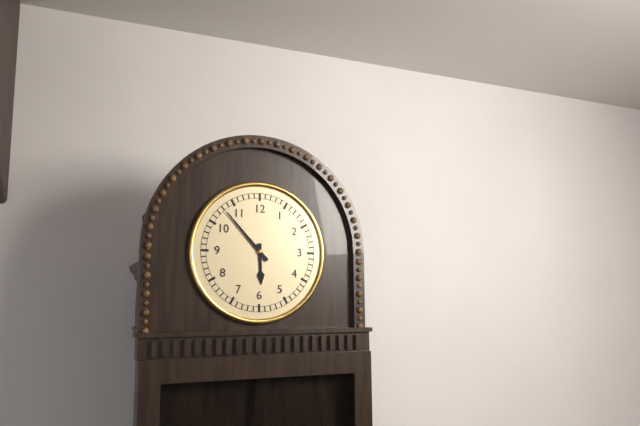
h=5 m=53
